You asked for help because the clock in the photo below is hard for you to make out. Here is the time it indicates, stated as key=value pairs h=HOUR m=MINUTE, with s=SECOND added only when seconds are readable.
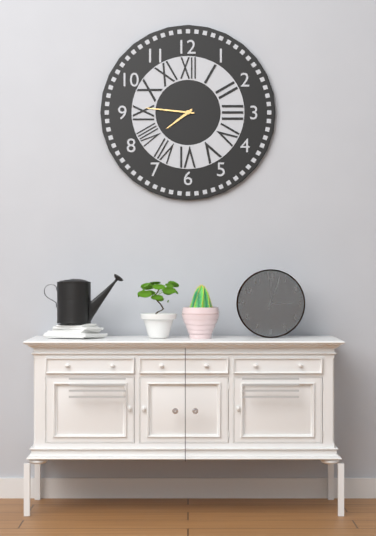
h=7 m=46
